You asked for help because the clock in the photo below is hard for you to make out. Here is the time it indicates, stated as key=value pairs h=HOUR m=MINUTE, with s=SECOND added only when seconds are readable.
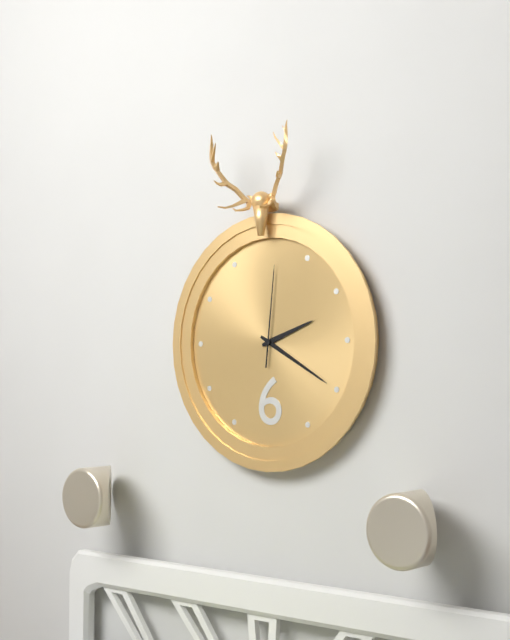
h=2 m=20 s=1
